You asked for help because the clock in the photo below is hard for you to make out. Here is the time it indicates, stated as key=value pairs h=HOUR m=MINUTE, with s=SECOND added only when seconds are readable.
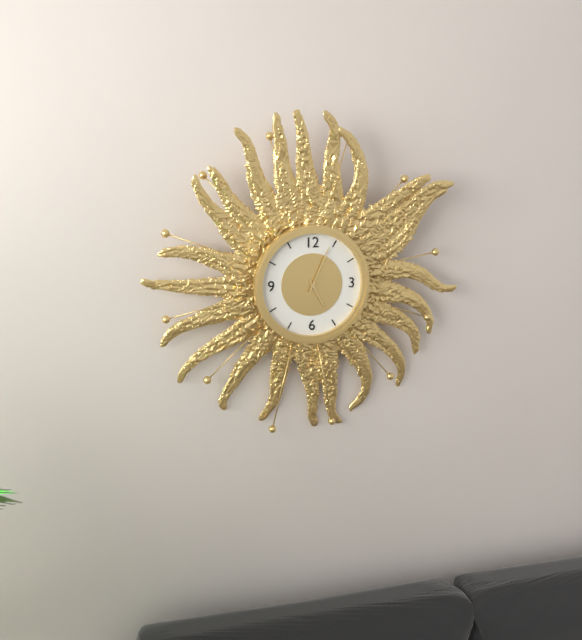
h=5 m=4
